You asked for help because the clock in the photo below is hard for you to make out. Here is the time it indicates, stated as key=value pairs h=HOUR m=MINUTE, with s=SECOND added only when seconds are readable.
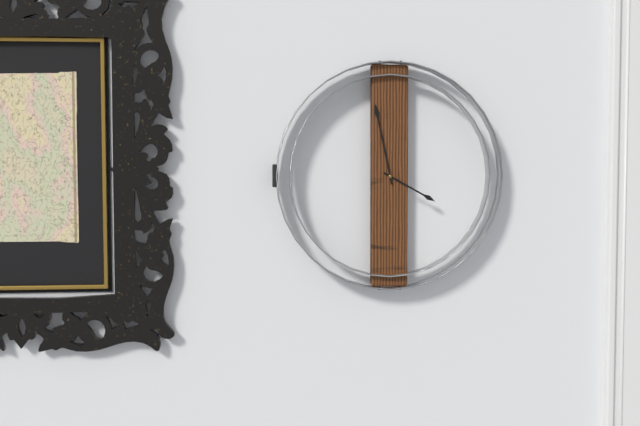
h=3 m=58
